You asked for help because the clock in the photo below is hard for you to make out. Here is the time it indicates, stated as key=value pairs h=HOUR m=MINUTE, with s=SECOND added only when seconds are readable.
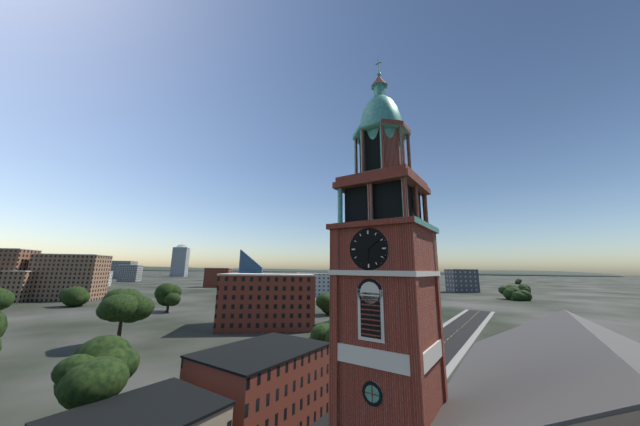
h=6 m=9
